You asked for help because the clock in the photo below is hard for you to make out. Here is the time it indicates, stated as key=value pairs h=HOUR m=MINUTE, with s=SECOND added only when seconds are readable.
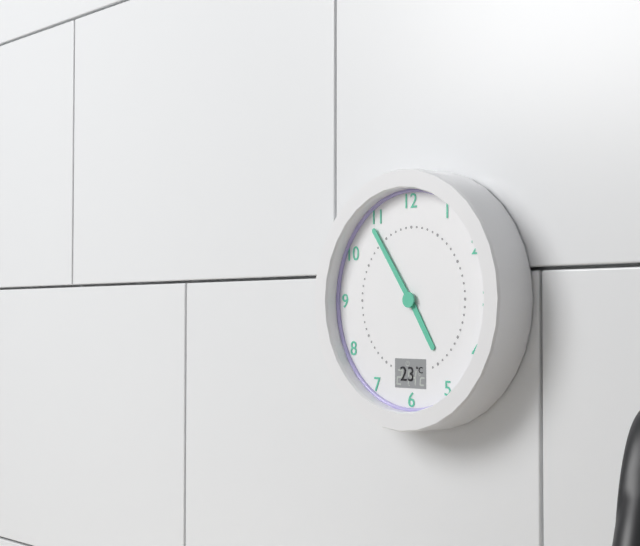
h=4 m=54
